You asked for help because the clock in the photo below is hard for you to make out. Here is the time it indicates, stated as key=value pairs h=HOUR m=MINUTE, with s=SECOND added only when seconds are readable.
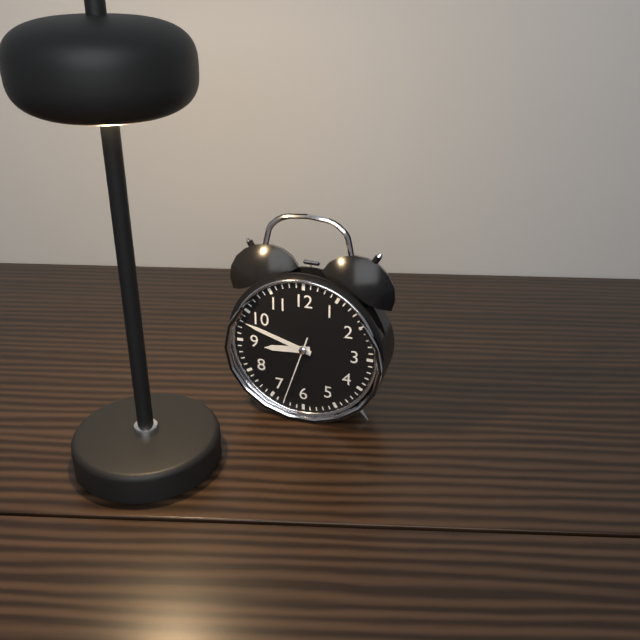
h=8 m=48 s=33
